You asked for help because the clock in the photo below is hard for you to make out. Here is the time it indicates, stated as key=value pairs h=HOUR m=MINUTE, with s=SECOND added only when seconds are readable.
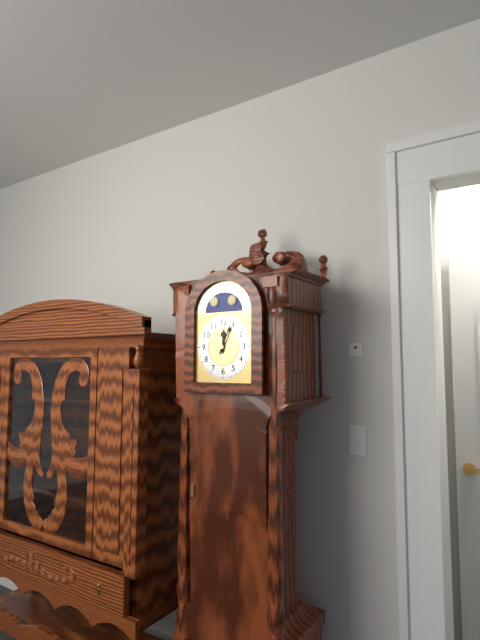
h=12 m=4
